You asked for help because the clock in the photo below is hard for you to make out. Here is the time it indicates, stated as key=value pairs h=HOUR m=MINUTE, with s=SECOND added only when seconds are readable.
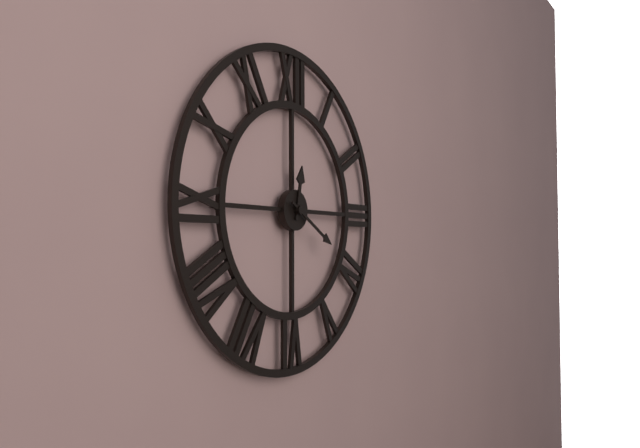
h=12 m=20
